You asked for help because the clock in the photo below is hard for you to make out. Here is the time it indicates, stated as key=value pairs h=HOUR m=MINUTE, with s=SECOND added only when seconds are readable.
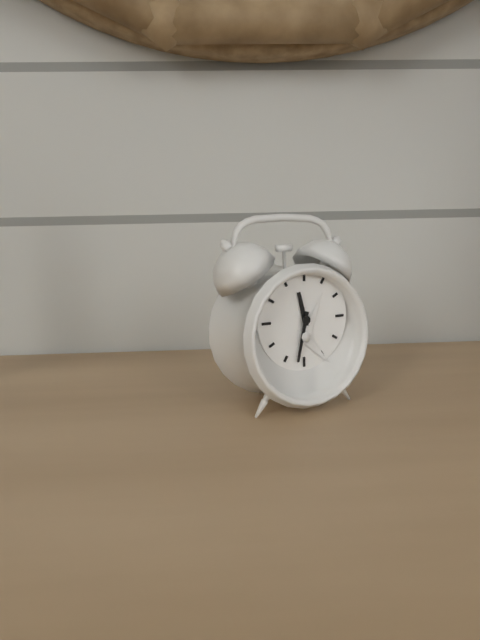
h=11 m=32
